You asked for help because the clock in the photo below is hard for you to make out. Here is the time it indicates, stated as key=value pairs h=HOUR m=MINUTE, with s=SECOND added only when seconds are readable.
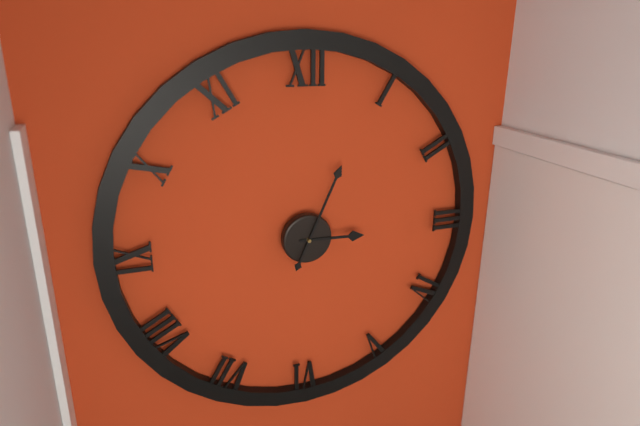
h=3 m=4
